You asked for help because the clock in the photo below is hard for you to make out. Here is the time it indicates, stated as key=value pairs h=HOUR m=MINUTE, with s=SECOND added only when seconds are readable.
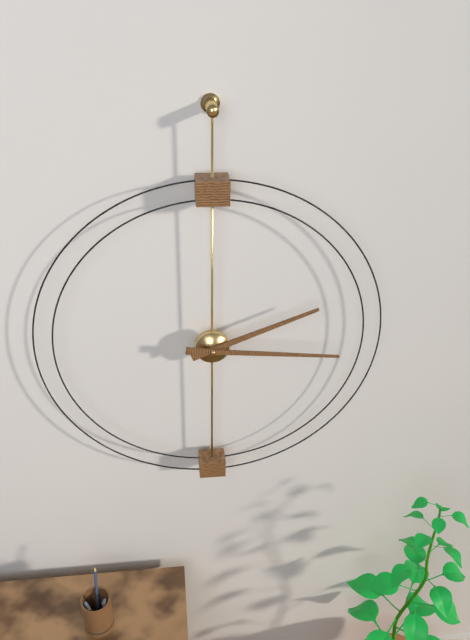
h=2 m=16
